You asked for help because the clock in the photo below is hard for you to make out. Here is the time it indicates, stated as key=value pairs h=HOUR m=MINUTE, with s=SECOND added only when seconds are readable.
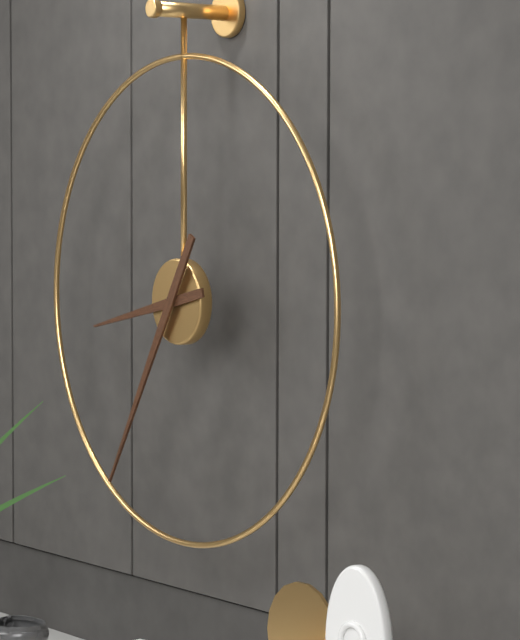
h=8 m=35
